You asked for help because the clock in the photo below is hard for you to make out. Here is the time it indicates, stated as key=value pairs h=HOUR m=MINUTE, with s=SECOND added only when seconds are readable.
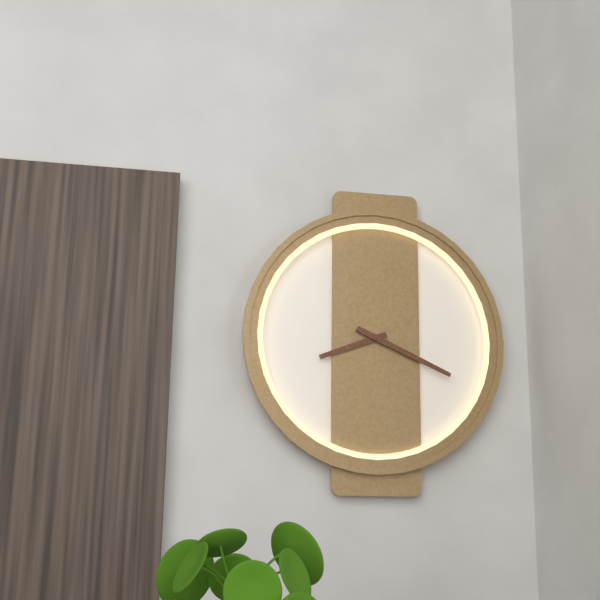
h=8 m=19
